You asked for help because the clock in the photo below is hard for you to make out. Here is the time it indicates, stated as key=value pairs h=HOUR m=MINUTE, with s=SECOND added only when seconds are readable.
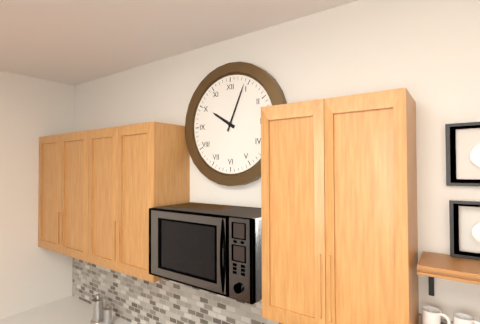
h=10 m=4
